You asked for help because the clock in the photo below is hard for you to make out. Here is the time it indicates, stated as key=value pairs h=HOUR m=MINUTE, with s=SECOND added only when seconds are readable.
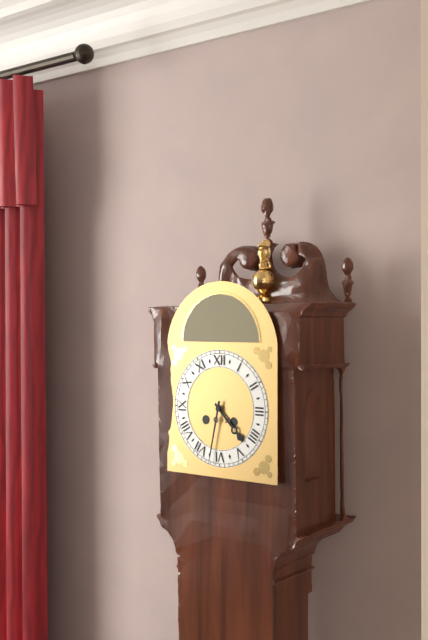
h=4 m=32
